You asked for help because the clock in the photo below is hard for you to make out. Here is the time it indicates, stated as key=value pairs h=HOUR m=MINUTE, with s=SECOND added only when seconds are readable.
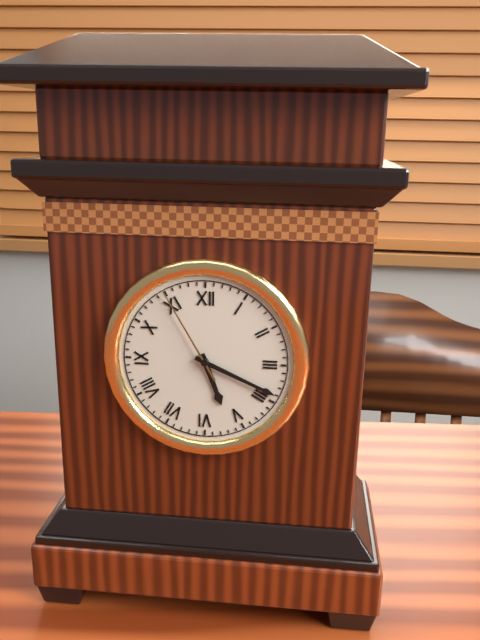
h=5 m=19 s=55
